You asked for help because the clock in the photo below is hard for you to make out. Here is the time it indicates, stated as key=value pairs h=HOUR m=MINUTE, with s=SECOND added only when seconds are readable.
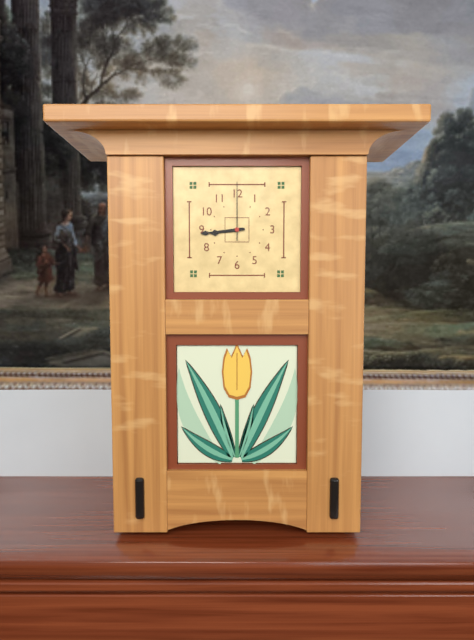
h=8 m=44 s=0
